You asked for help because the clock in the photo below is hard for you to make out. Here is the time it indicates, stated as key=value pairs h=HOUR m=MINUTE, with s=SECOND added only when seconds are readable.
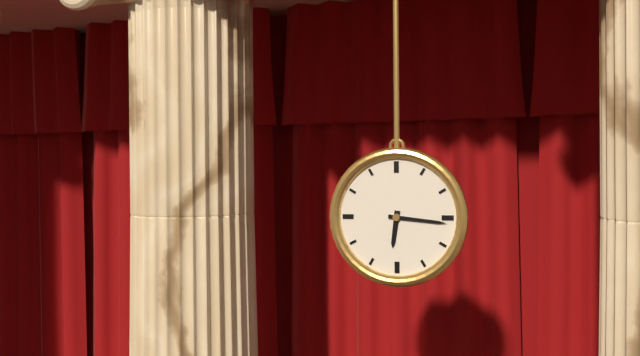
h=6 m=16
